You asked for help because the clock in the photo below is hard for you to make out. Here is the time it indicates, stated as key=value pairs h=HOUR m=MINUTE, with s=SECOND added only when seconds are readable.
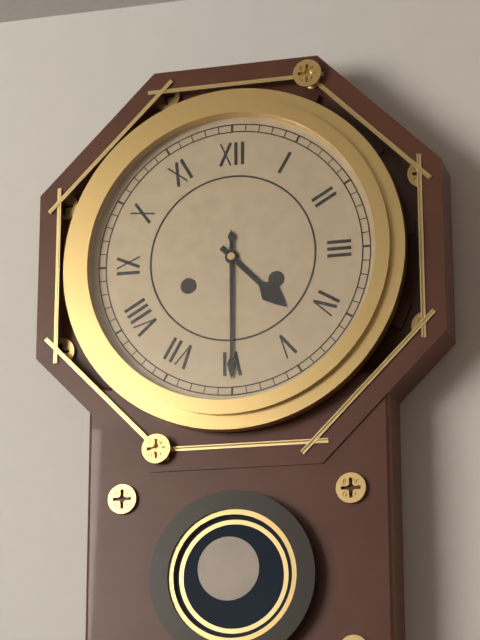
h=4 m=30
